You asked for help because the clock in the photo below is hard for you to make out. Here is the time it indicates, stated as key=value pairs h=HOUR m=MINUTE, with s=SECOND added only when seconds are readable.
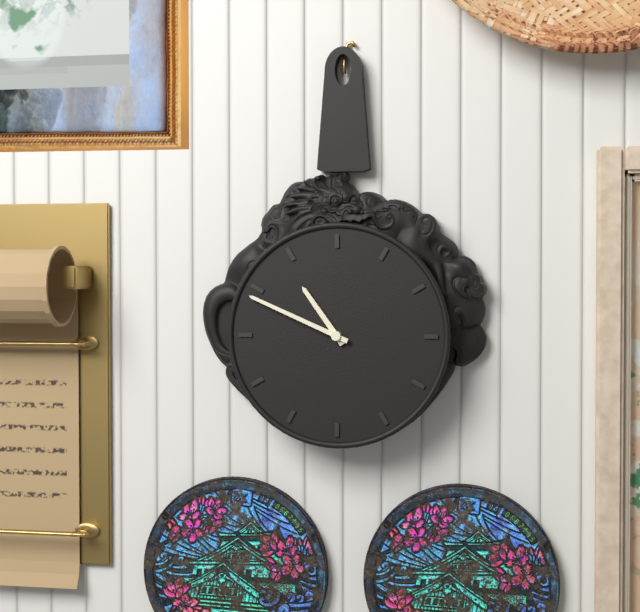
h=10 m=49
